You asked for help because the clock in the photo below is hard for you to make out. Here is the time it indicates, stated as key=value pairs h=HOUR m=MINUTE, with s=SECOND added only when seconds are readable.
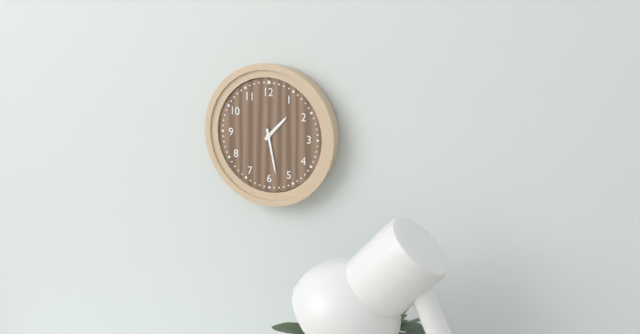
h=1 m=28
